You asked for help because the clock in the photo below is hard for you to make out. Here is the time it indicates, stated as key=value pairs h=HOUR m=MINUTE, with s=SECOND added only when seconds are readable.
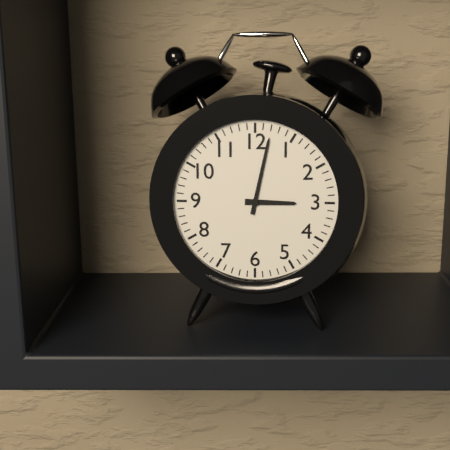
h=3 m=2
